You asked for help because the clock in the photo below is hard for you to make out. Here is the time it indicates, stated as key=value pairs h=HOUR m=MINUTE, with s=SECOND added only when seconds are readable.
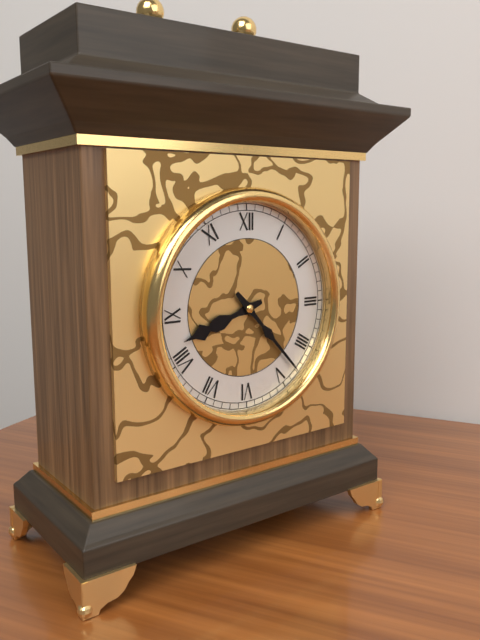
h=8 m=23
